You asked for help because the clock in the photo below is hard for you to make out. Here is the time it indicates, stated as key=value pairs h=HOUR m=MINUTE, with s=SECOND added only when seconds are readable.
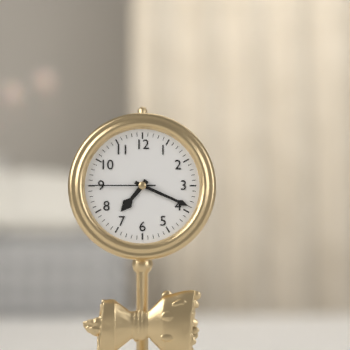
h=7 m=19 s=45
